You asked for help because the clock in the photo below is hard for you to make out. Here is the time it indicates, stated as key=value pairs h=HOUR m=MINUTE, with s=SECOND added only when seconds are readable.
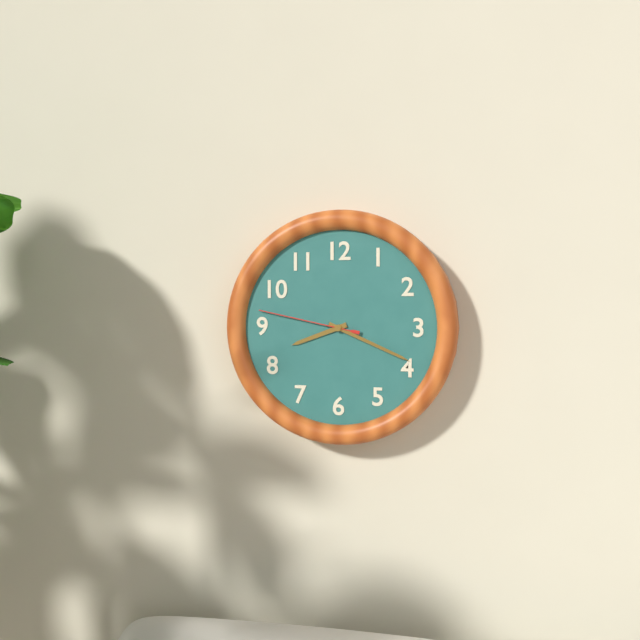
h=8 m=19 s=47
